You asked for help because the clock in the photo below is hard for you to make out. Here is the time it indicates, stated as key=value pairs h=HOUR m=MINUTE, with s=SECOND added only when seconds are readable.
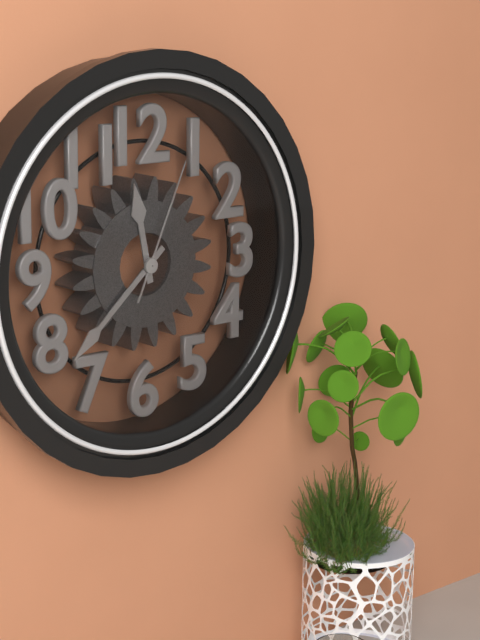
h=11 m=38 s=4
